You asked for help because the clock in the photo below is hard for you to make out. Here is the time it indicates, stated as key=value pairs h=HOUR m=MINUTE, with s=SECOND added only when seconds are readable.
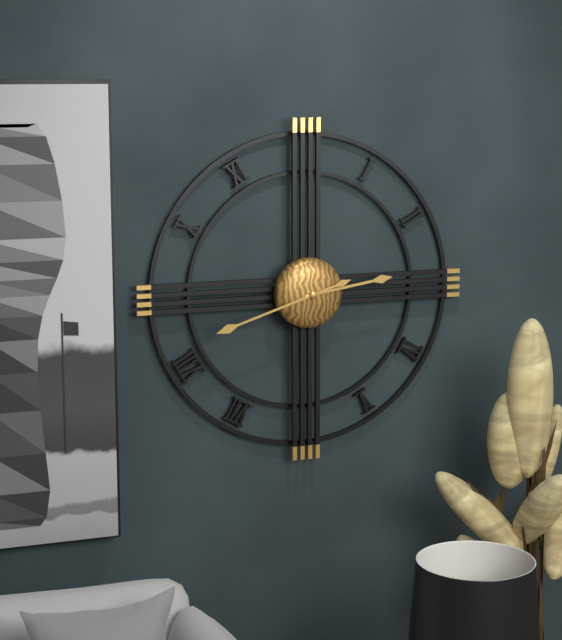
h=2 m=42
